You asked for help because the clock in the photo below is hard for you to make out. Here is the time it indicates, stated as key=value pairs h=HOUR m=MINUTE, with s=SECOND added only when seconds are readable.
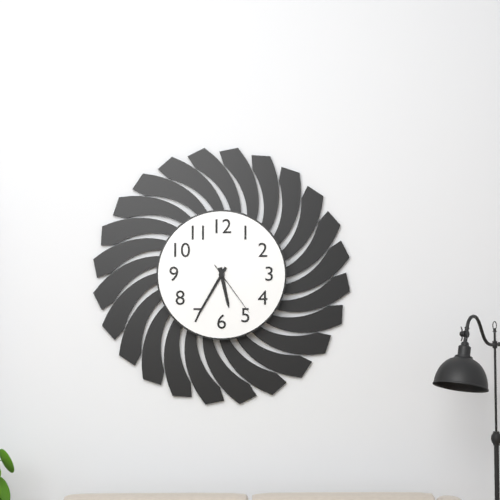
h=5 m=35 s=24
